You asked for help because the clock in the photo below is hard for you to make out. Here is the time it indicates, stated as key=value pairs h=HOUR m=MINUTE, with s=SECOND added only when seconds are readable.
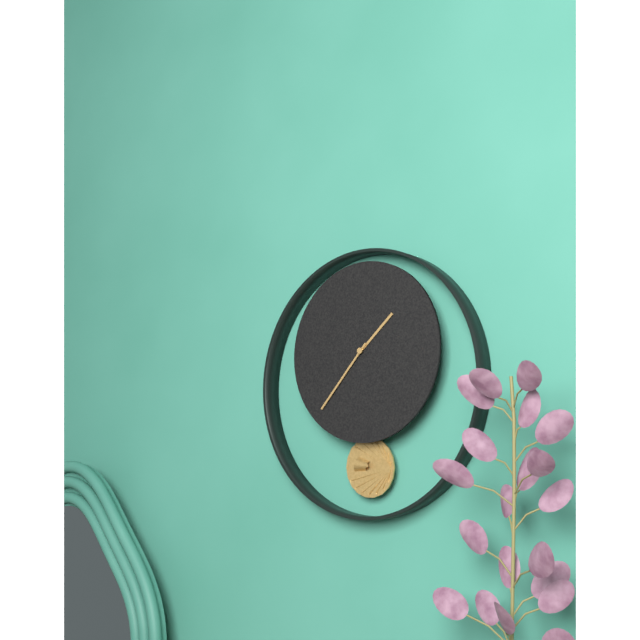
h=1 m=37
